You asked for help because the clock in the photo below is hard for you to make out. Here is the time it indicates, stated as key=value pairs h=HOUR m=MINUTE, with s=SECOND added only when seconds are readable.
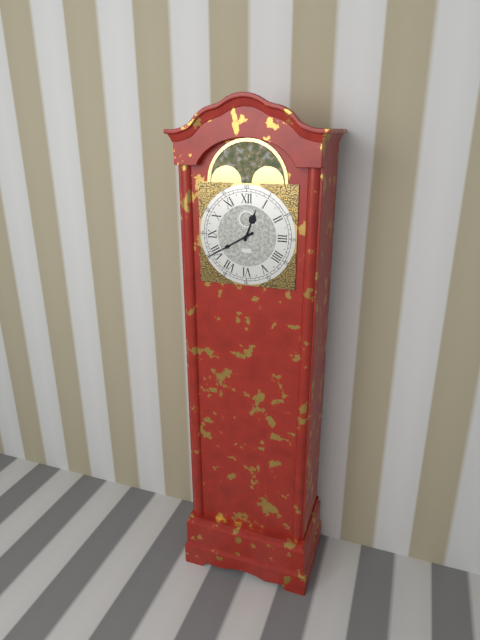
h=12 m=40
